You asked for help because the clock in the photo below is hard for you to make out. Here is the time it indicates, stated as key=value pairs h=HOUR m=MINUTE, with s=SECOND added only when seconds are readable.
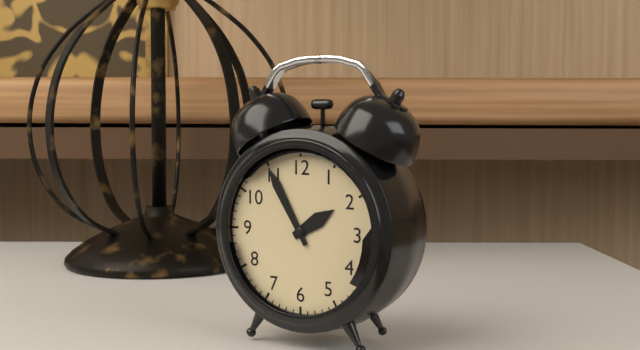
h=1 m=55
